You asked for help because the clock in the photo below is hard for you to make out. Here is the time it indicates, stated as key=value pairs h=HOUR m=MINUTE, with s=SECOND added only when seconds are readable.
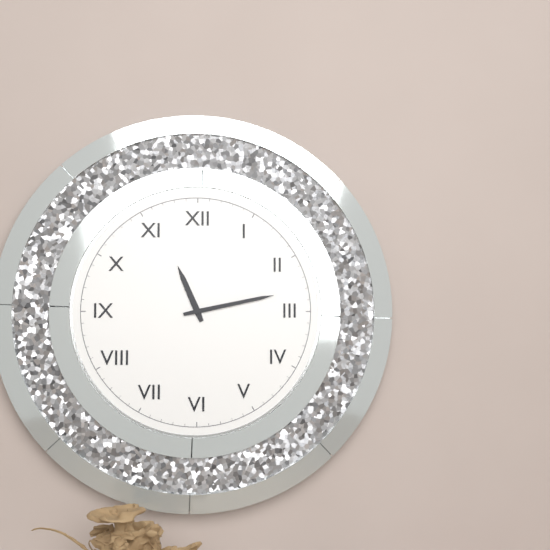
h=11 m=13
